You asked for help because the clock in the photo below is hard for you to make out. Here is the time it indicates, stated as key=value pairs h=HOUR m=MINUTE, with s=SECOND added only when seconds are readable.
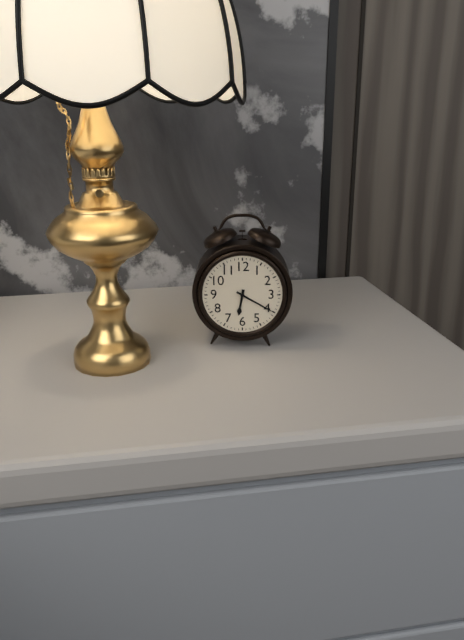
h=6 m=20
